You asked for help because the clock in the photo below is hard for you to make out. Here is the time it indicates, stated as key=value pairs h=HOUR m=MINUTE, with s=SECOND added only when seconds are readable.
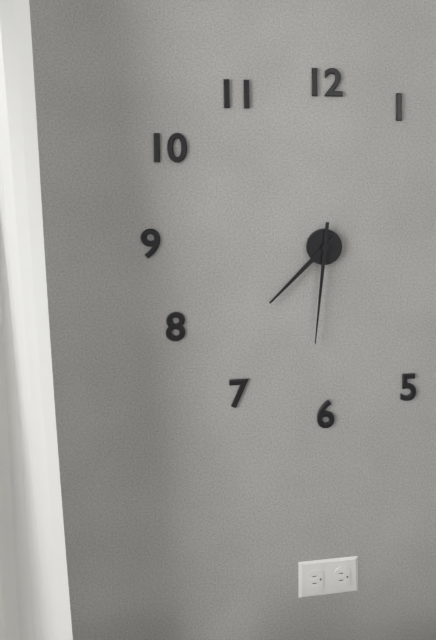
h=7 m=31
